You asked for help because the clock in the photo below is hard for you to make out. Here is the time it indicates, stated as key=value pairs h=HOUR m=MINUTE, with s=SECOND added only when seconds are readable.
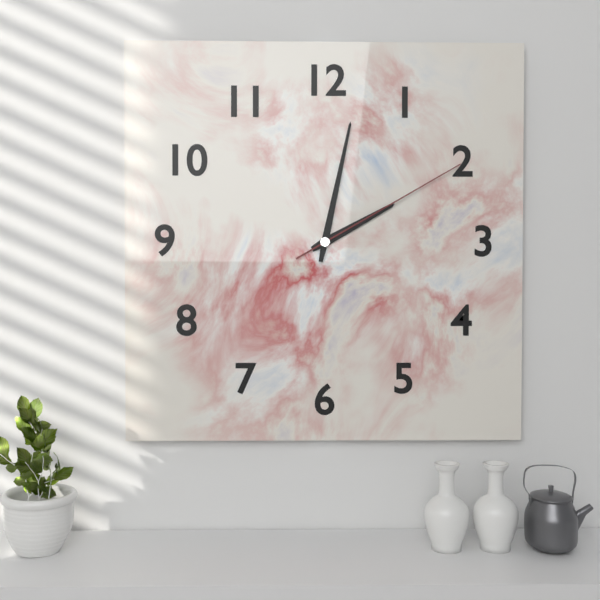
h=2 m=2 s=10
